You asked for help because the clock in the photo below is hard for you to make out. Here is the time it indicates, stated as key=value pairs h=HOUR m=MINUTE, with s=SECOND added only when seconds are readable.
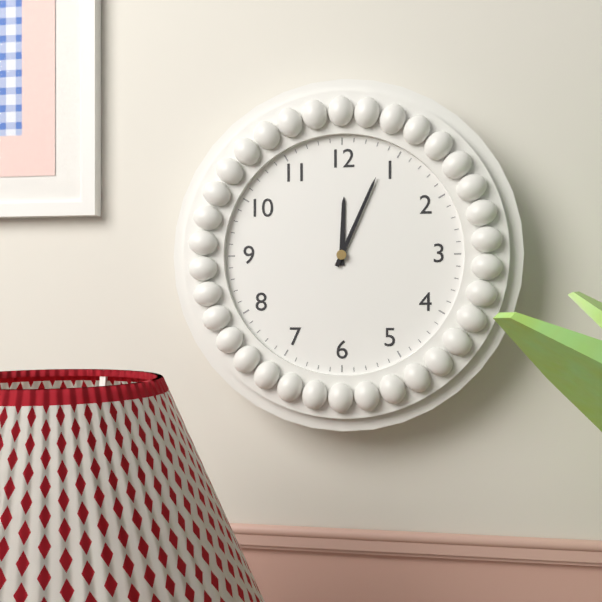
h=12 m=4
